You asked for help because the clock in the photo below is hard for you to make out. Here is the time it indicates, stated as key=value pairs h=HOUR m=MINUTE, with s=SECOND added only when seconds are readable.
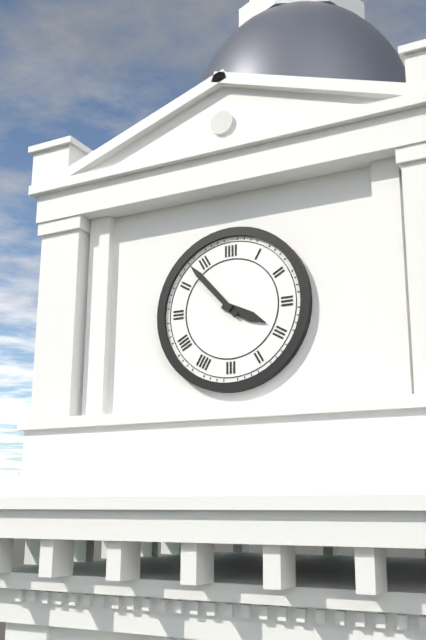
h=3 m=53
